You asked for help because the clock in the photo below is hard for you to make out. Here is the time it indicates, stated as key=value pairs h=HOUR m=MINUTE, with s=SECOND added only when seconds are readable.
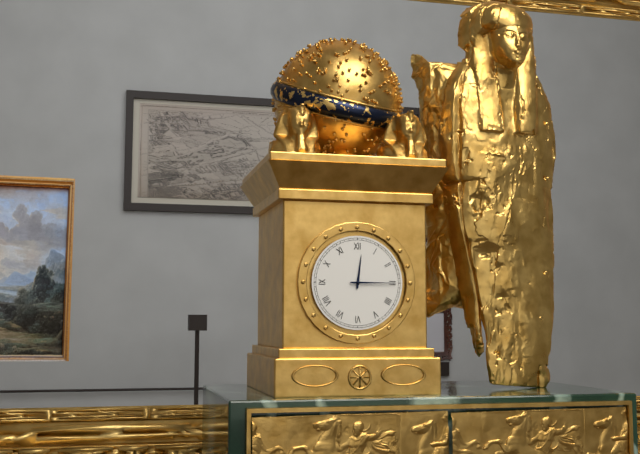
h=12 m=15
